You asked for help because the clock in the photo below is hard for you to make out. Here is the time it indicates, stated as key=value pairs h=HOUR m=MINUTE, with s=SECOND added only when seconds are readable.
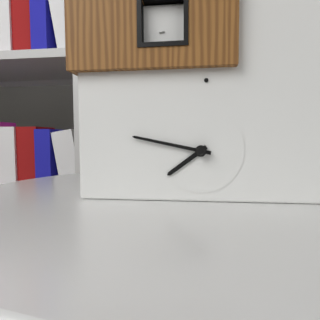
h=7 m=47
